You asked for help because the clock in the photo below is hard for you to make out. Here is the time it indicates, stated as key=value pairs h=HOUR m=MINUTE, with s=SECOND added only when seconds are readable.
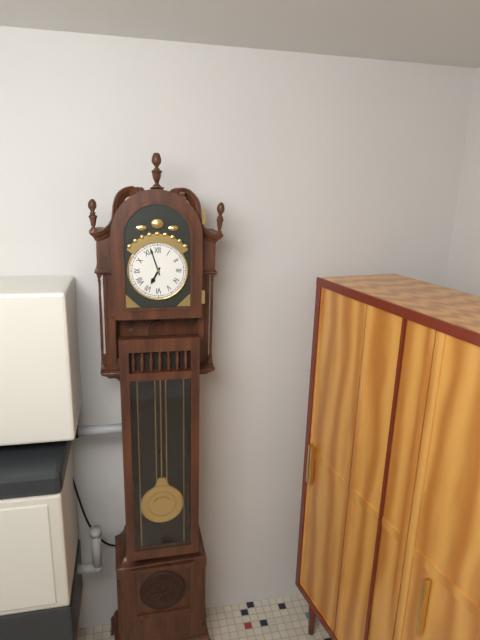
h=6 m=57
